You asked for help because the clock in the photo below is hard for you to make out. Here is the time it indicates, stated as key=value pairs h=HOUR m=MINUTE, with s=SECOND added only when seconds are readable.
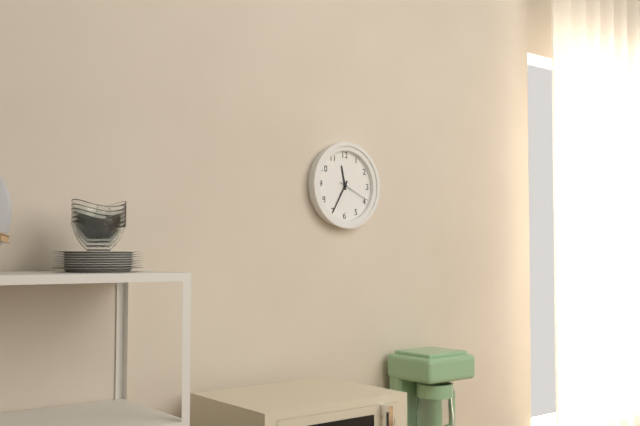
h=11 m=35
